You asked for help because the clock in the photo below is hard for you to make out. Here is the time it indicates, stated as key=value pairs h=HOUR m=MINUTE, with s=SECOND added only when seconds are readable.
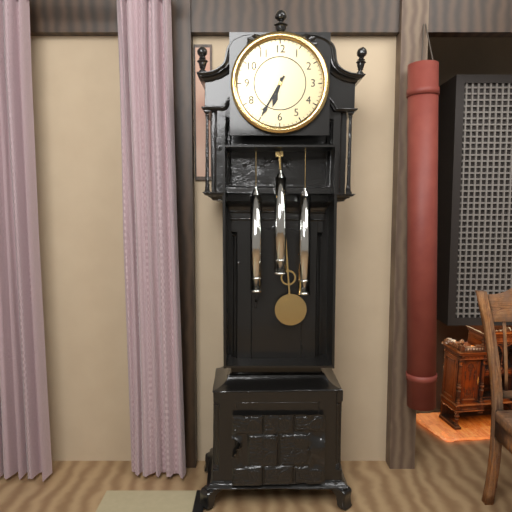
h=6 m=35
